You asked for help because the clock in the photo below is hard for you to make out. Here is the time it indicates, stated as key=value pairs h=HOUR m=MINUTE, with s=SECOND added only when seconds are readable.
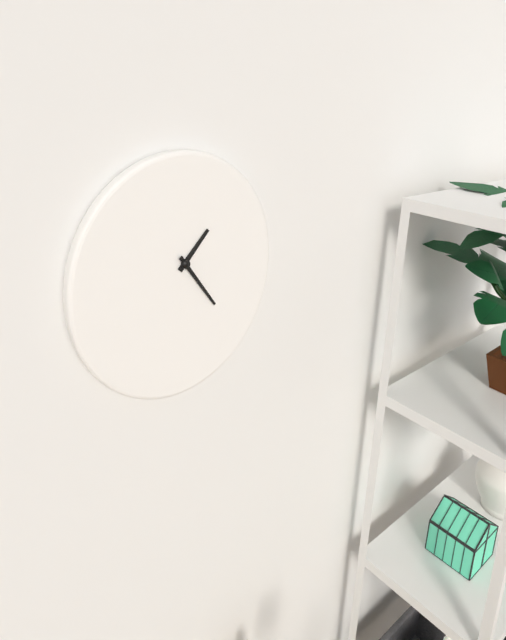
h=1 m=24
